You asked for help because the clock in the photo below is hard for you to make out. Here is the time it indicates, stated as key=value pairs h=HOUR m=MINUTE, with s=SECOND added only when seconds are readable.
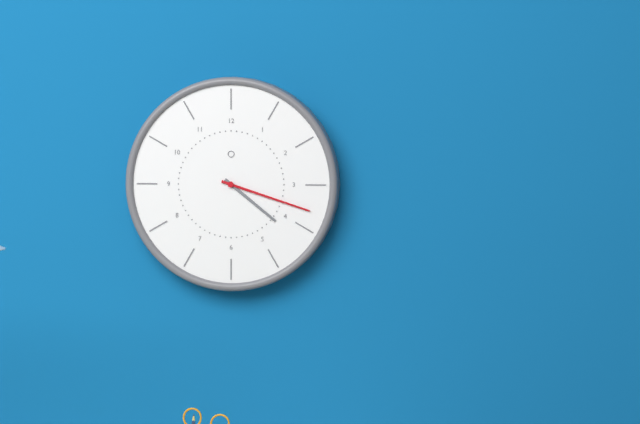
h=4 m=18
